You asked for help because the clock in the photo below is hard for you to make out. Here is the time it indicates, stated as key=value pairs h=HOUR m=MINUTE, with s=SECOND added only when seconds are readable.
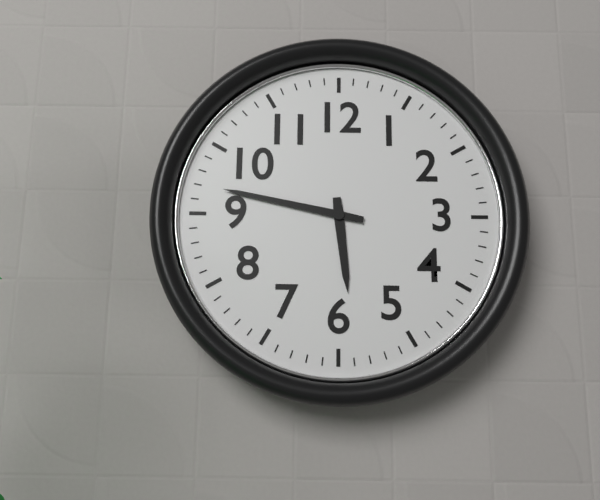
h=5 m=47
